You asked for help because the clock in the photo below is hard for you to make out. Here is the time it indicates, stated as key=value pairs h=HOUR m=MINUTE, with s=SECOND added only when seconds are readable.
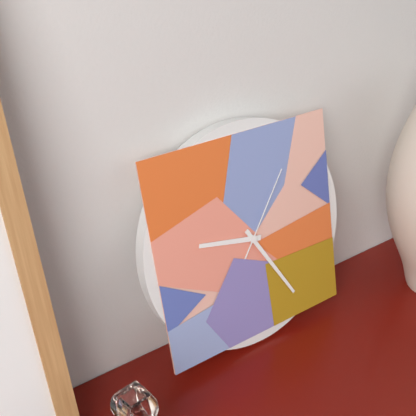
h=9 m=25 s=6
